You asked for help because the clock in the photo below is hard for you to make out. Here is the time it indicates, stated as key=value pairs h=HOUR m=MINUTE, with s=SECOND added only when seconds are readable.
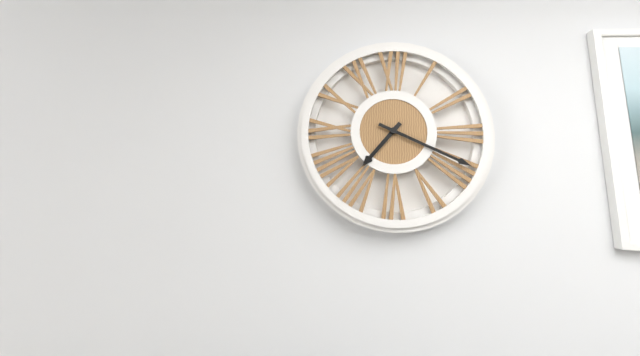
h=7 m=19
